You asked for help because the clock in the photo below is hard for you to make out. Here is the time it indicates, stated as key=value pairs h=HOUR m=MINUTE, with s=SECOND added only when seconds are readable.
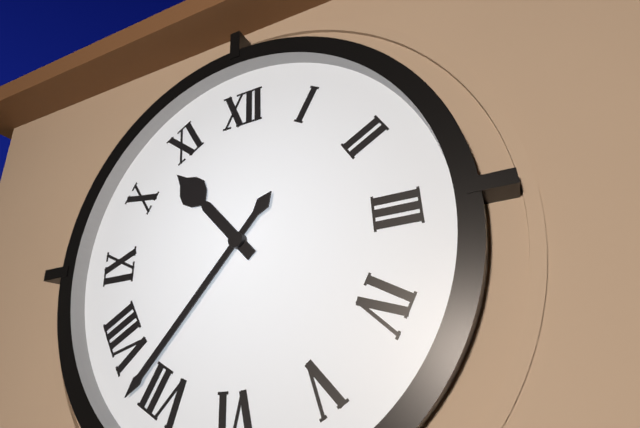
h=10 m=37
